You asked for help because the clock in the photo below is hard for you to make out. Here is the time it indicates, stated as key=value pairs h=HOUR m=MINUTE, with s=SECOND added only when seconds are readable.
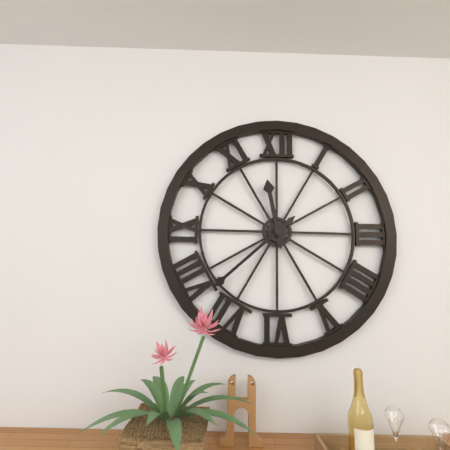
h=11 m=38
